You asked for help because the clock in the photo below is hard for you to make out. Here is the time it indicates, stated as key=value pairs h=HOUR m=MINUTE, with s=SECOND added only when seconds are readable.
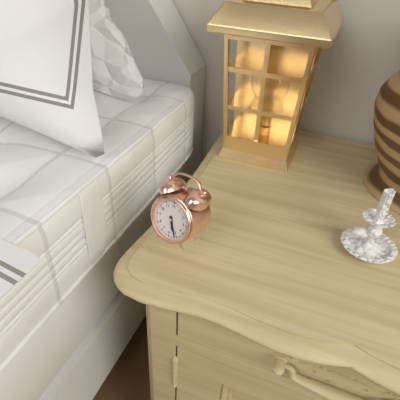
h=5 m=26
